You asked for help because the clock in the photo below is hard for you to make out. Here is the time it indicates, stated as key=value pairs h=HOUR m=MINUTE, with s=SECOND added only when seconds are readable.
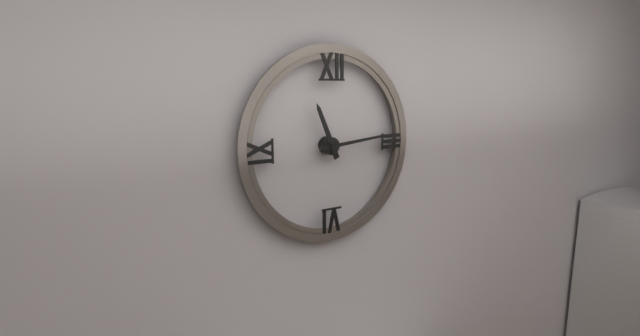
h=11 m=14
